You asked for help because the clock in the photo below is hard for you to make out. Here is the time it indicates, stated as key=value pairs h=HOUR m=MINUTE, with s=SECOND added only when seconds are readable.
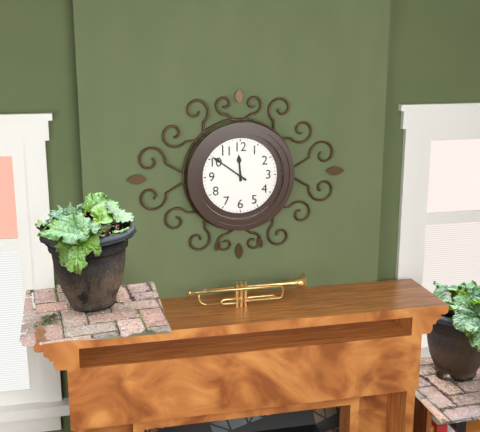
h=11 m=51
